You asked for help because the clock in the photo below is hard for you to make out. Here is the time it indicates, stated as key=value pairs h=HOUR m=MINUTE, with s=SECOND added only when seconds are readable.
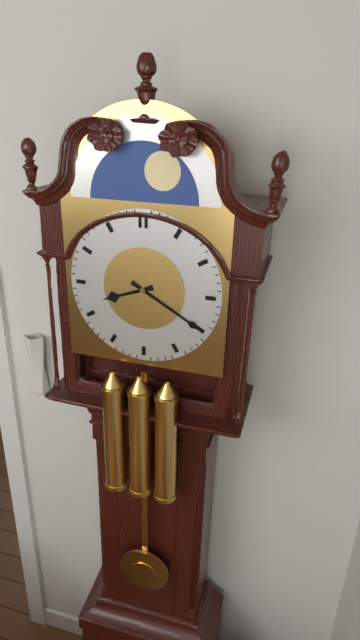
h=8 m=20
